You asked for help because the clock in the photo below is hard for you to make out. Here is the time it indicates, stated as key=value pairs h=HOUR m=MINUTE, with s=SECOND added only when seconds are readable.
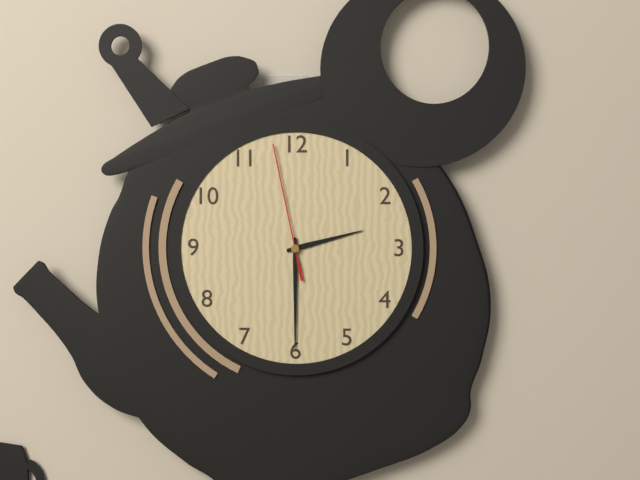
h=2 m=30 s=58
